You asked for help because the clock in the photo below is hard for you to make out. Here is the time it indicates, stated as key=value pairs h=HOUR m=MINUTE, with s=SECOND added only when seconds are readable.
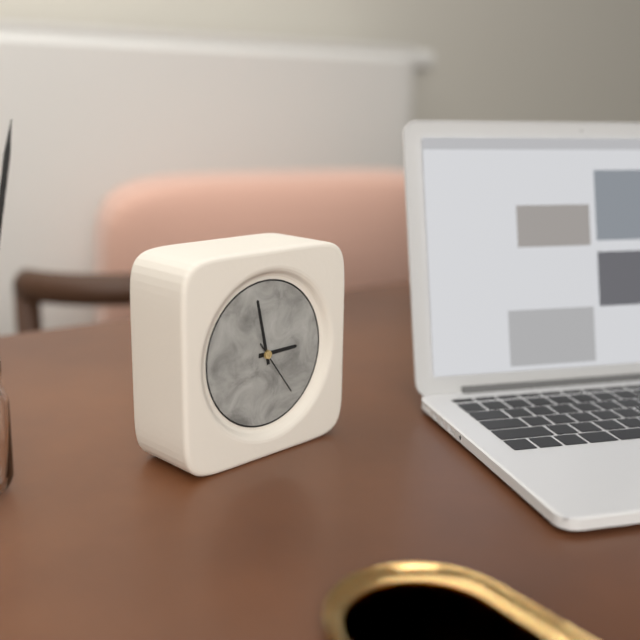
h=2 m=58 s=24
